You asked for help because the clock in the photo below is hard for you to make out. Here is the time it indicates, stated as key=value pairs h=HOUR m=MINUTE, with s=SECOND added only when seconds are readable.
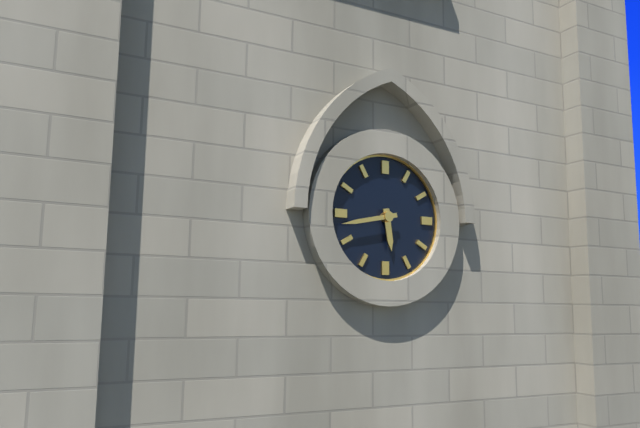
h=5 m=43
